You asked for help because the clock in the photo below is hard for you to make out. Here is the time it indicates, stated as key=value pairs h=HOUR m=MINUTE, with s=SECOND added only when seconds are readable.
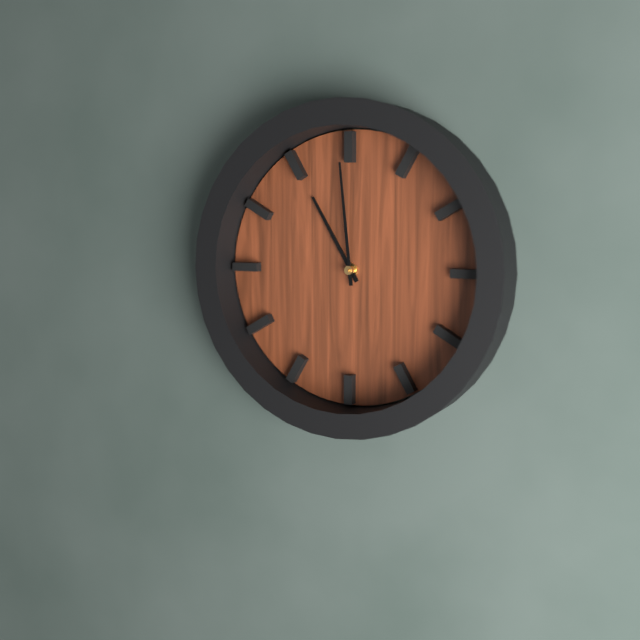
h=10 m=59
